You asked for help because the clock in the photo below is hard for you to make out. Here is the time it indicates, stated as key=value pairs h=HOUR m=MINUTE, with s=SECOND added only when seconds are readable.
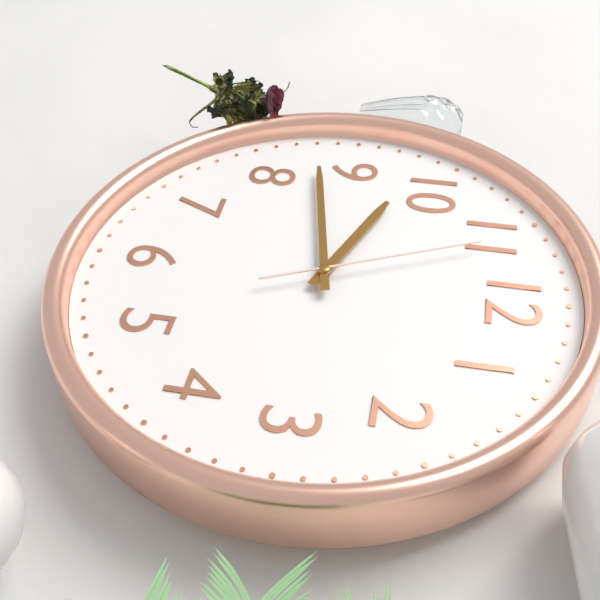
h=9 m=43 s=56
